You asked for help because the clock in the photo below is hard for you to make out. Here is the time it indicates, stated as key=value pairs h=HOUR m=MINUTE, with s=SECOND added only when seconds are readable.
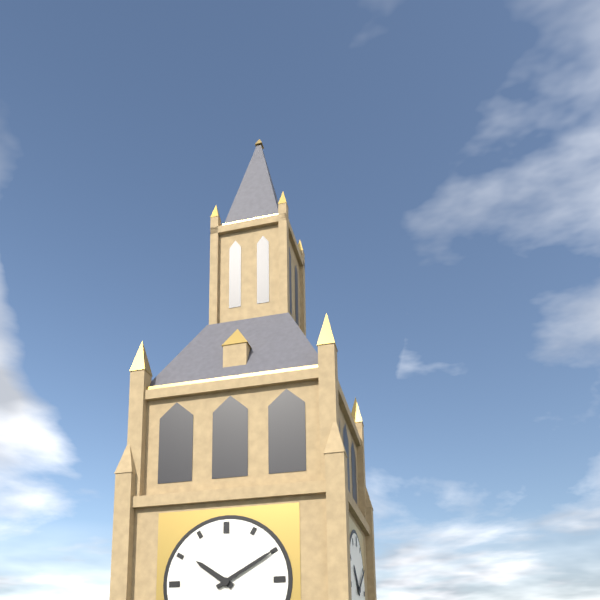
h=10 m=10
